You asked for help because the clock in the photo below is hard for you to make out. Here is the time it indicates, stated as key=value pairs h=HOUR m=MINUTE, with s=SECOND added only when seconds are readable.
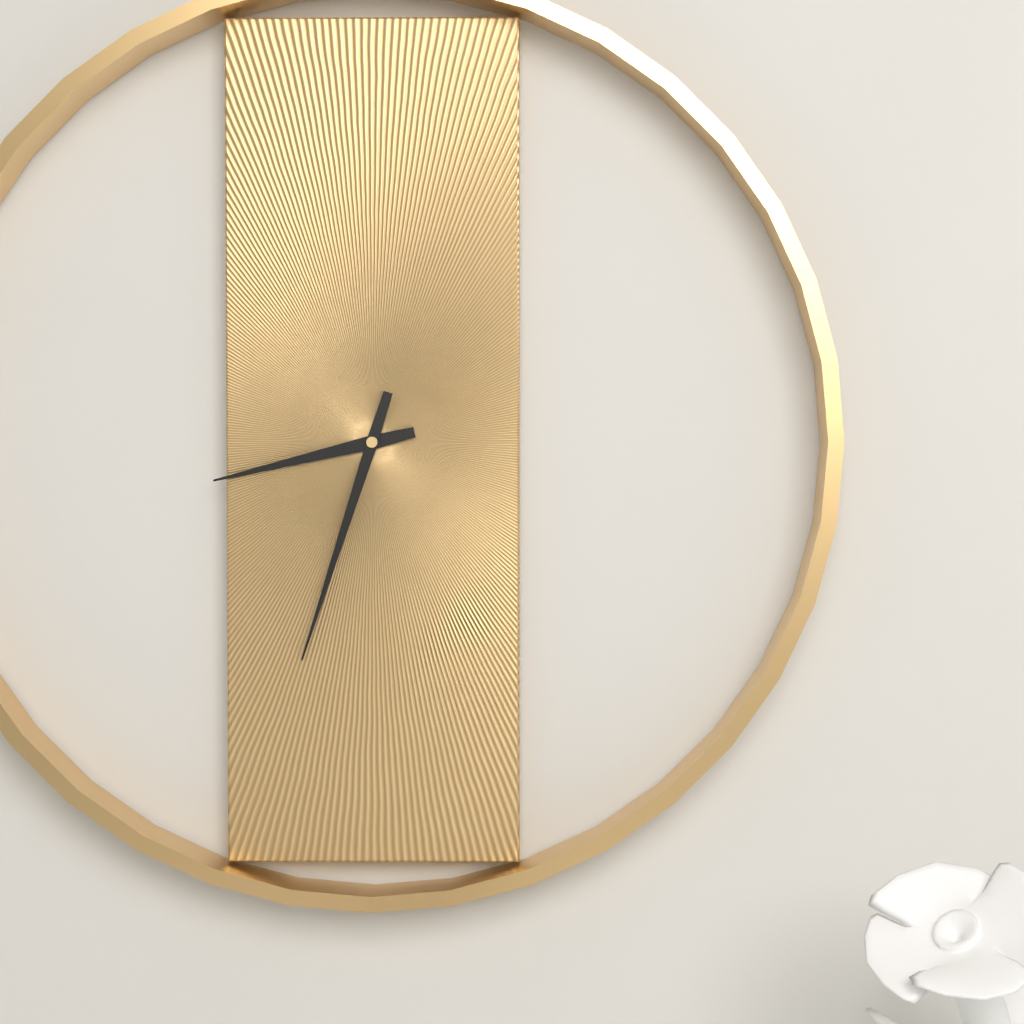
h=8 m=33
